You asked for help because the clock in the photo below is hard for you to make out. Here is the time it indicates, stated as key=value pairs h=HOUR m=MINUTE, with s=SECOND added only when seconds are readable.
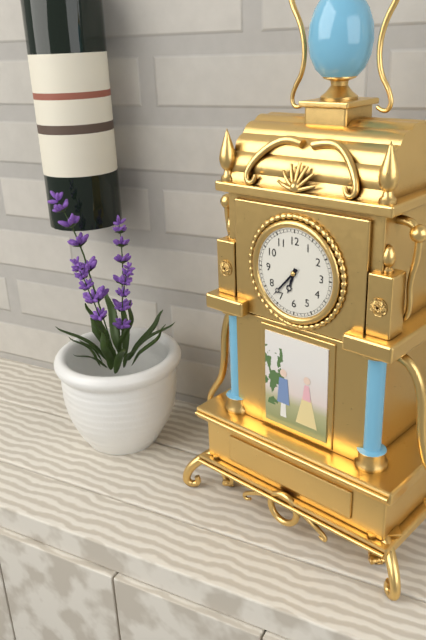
h=6 m=37
